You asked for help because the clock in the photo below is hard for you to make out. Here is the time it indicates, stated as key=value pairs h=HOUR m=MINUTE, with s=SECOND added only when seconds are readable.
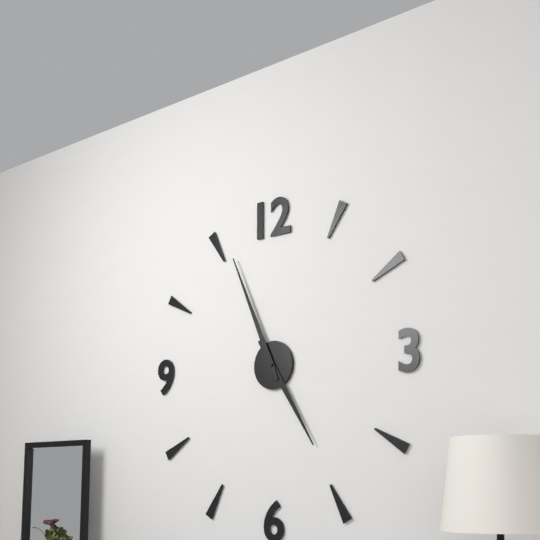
h=4 m=56
